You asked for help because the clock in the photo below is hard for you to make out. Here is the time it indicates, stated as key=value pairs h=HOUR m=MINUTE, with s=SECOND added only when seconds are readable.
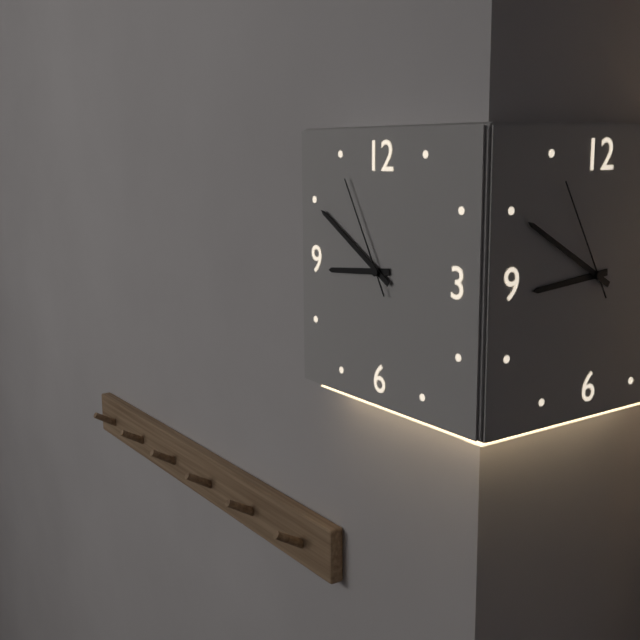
h=8 m=50 s=55
